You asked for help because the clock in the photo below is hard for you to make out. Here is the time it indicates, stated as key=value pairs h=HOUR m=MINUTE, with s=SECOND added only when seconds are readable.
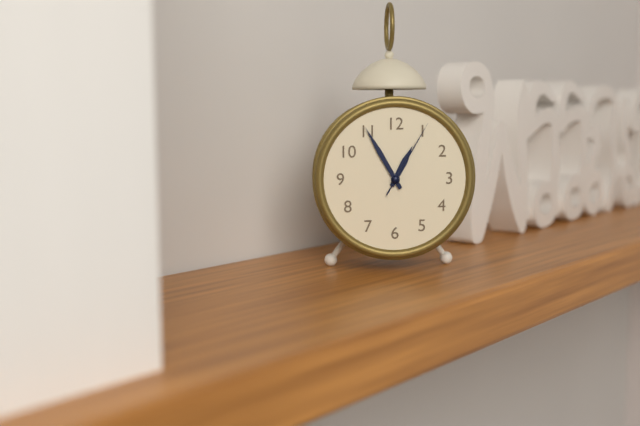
h=12 m=55 s=5
